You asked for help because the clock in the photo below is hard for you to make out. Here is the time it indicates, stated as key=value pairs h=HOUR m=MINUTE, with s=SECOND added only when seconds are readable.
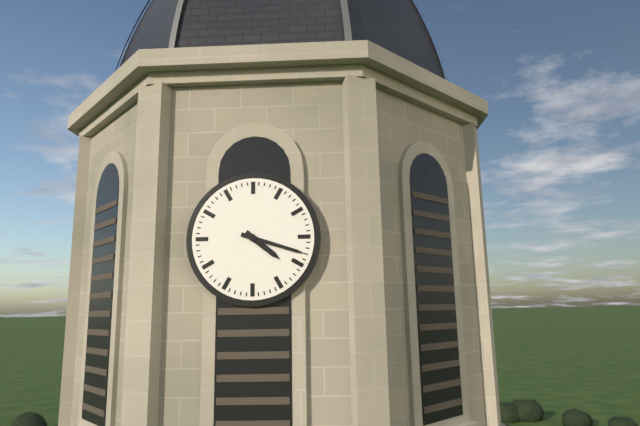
h=4 m=18
